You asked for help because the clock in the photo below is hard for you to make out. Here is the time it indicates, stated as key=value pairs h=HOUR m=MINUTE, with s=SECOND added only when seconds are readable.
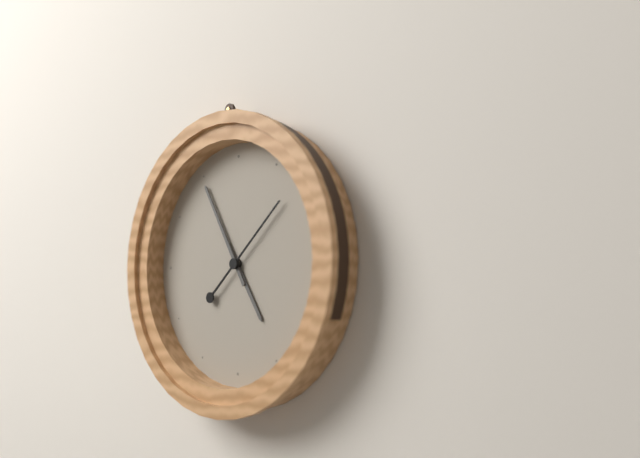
h=4 m=55 s=8
